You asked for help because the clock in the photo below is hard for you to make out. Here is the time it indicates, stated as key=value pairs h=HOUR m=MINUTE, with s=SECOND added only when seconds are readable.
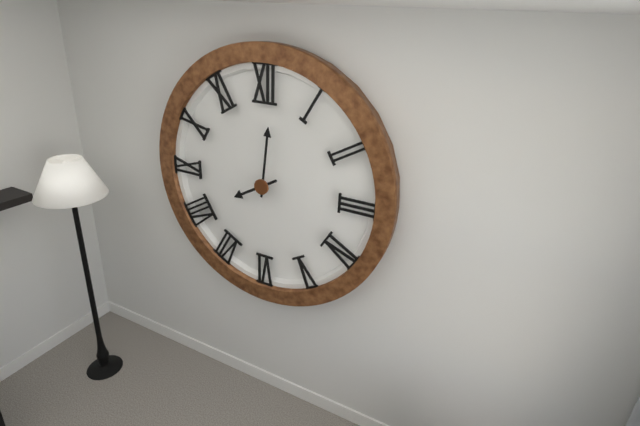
h=8 m=1
